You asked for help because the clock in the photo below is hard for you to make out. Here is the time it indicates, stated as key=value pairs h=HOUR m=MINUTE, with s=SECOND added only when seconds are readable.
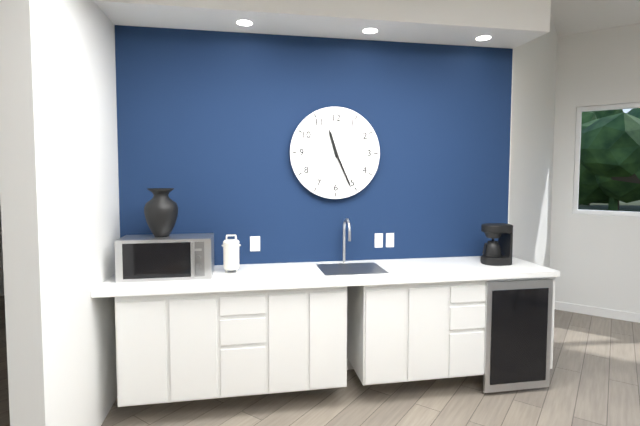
h=11 m=26
